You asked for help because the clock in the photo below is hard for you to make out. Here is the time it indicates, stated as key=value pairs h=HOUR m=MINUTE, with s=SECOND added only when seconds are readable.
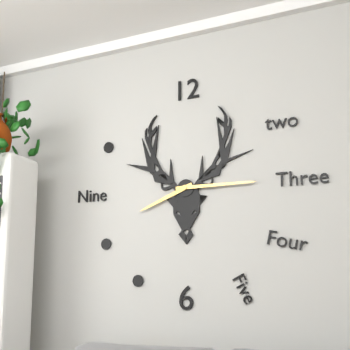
h=8 m=15
